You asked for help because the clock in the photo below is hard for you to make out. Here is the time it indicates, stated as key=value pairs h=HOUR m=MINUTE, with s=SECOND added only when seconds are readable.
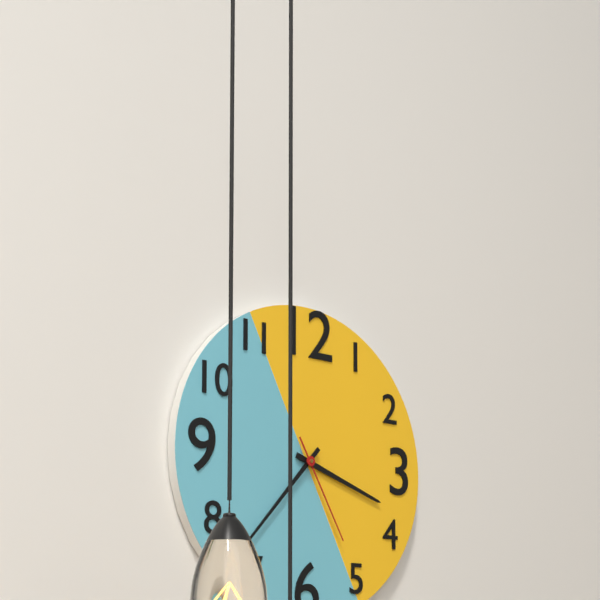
h=3 m=37 s=25
